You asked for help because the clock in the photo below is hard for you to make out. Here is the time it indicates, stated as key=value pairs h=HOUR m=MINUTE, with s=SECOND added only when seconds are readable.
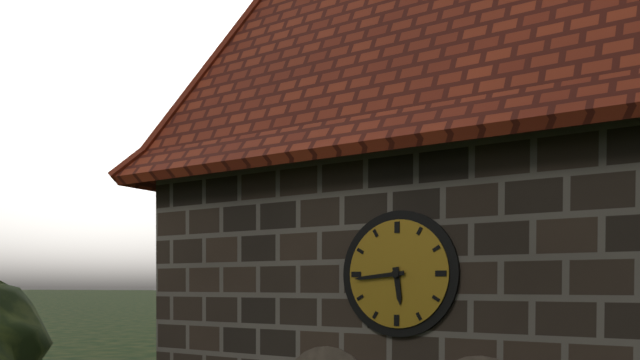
h=5 m=44
